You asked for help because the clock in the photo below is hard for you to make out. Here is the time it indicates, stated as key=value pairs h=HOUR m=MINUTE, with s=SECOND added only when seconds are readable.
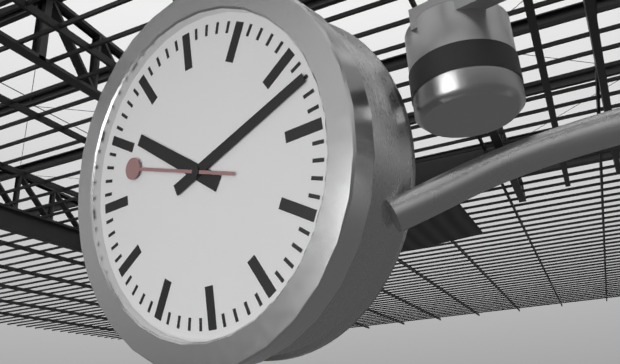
h=10 m=12 s=48
